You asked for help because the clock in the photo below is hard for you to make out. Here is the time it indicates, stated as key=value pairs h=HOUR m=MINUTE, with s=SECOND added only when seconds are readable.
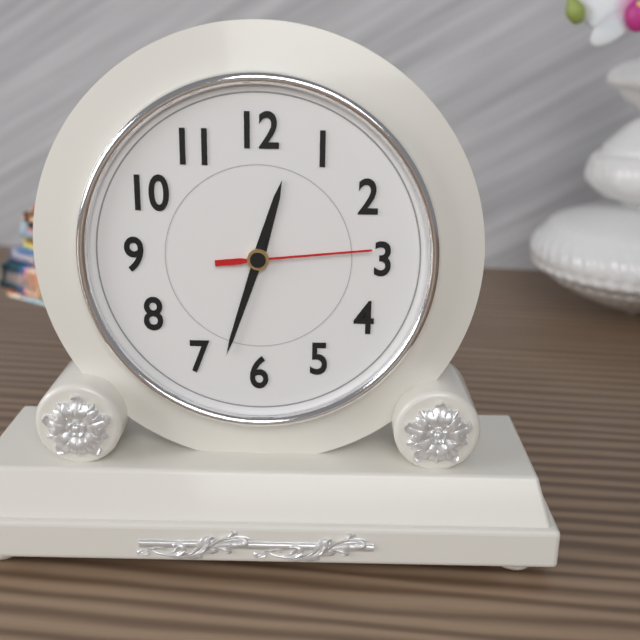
h=12 m=33 s=14
